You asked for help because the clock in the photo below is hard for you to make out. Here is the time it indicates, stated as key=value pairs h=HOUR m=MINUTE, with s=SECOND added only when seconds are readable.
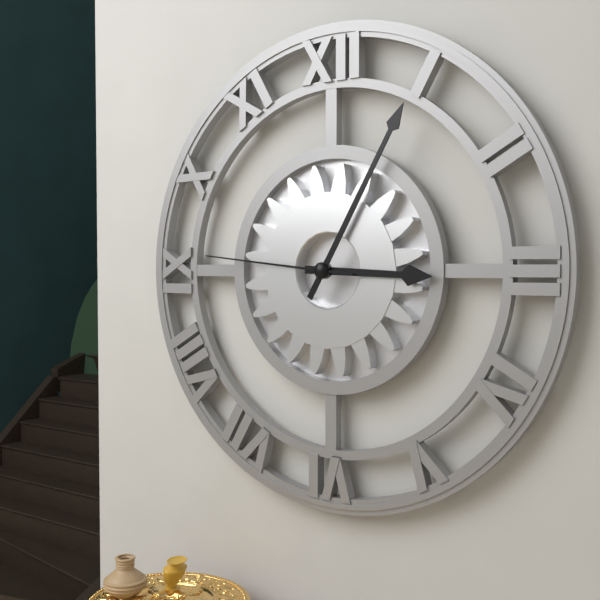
h=3 m=5 s=46
